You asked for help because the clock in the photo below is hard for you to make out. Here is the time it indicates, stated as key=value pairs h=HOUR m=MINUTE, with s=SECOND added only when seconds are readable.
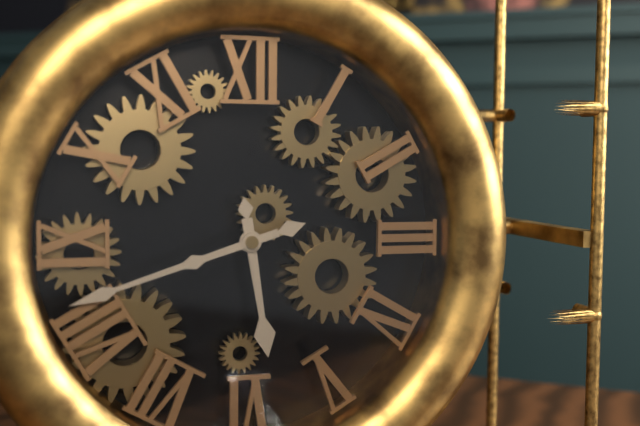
h=5 m=42
